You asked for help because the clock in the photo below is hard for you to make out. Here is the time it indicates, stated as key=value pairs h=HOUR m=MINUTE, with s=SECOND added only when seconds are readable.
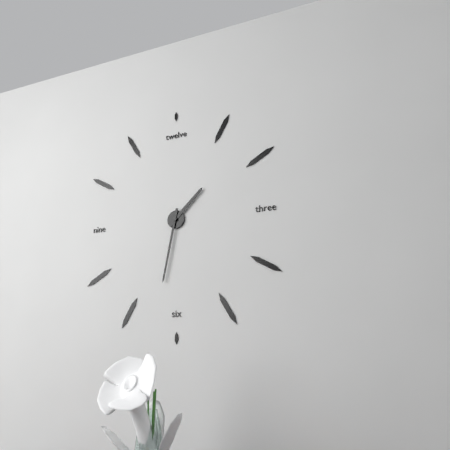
h=1 m=32
